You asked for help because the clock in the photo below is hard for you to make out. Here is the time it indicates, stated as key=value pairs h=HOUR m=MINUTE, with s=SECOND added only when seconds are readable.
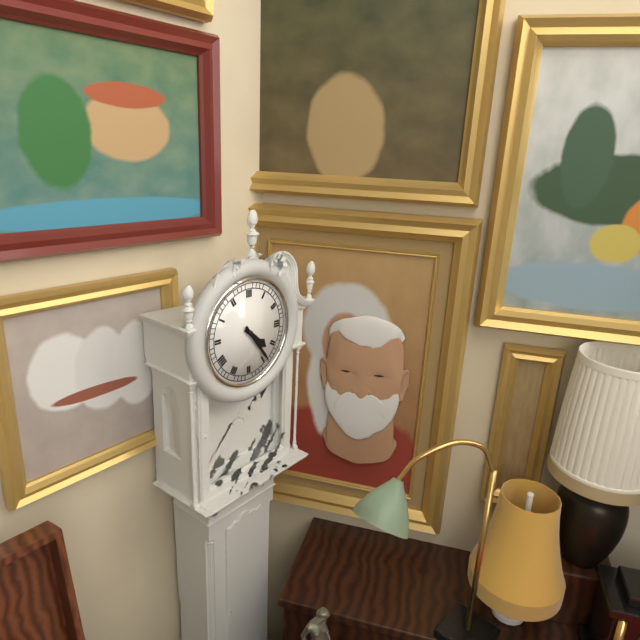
h=4 m=24
